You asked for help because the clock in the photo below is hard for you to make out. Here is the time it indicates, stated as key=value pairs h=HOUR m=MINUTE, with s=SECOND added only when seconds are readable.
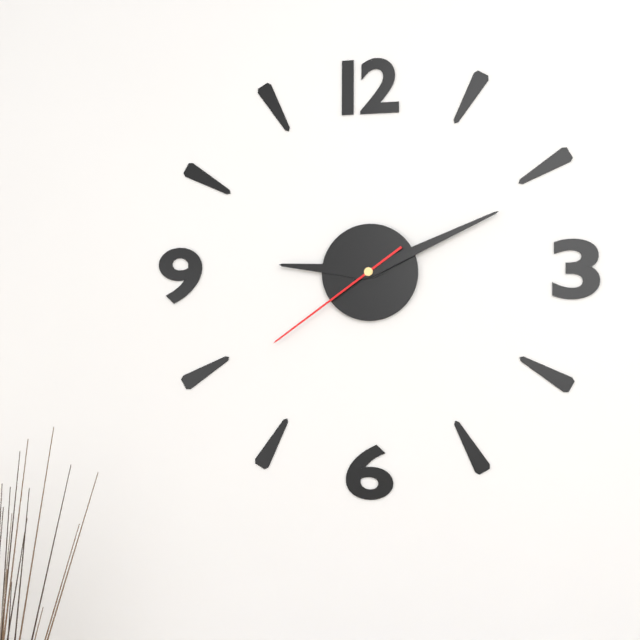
h=9 m=11 s=39
